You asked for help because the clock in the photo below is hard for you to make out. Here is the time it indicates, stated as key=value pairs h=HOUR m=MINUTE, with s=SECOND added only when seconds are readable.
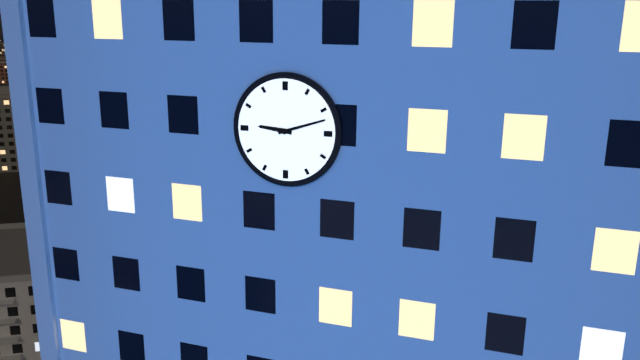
h=9 m=12
